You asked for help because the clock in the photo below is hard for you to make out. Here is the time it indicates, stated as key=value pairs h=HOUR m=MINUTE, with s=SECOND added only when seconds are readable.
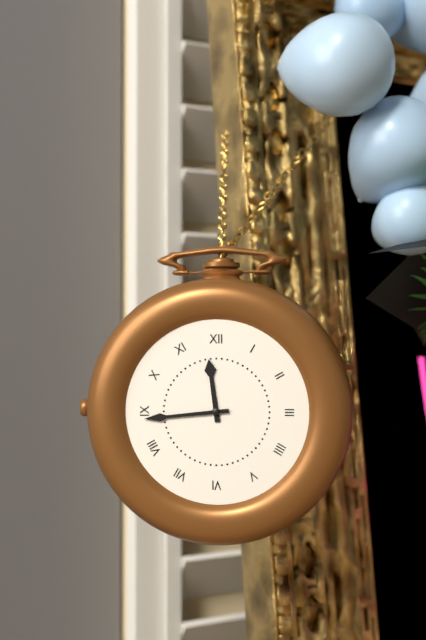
h=11 m=44
